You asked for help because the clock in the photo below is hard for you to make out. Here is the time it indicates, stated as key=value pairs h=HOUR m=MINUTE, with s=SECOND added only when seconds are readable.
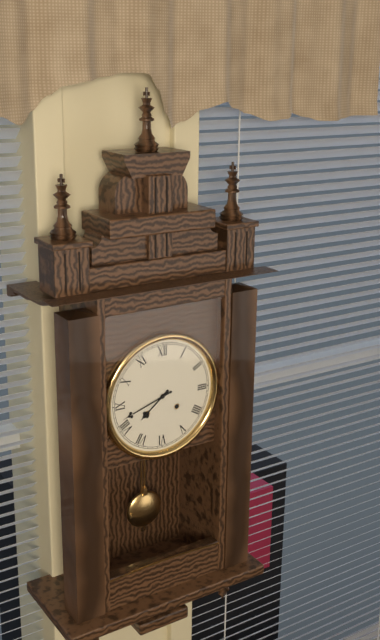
h=7 m=42
